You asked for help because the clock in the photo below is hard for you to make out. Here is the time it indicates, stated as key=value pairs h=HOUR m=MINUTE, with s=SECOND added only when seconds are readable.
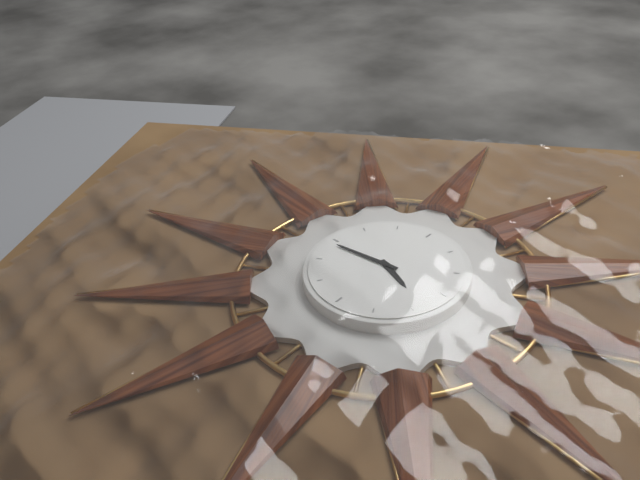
h=3 m=44
